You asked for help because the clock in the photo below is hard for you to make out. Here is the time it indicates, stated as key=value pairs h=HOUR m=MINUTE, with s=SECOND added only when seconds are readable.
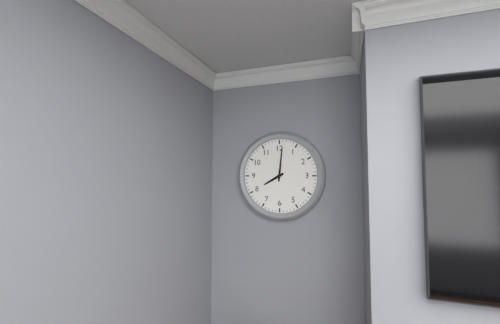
h=8 m=1
